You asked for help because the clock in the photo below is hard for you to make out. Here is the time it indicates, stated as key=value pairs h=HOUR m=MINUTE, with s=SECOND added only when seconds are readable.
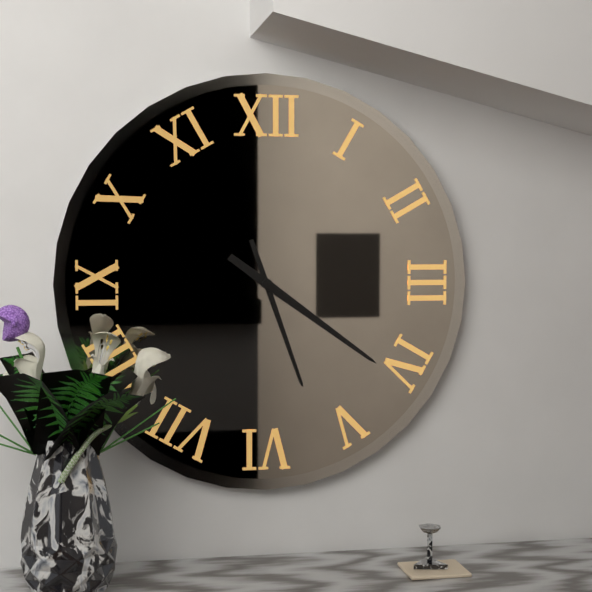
h=5 m=21
